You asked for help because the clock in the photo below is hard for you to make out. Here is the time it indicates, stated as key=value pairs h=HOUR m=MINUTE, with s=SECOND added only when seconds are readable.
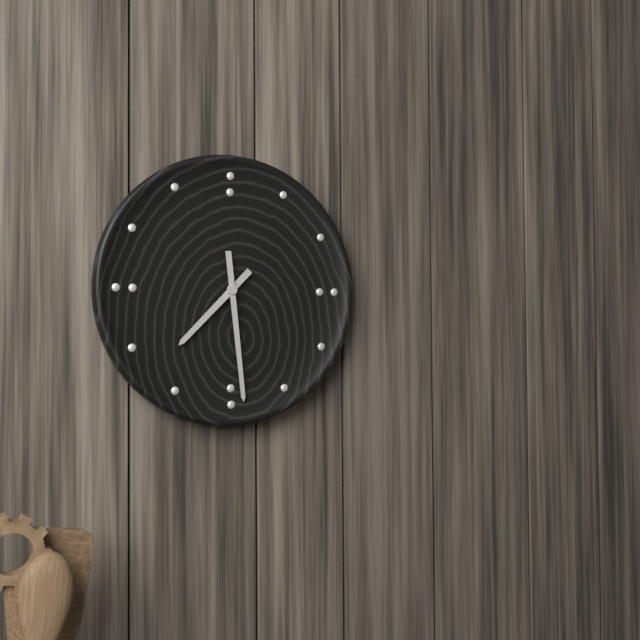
h=7 m=29
